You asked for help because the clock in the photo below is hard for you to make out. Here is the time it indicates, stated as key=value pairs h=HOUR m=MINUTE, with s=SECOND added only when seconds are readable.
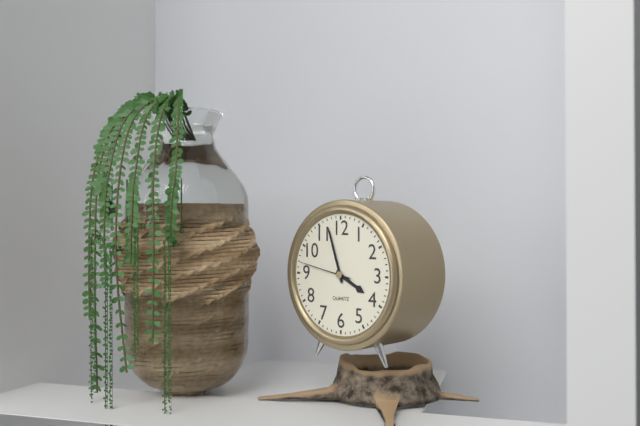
h=3 m=57 s=47
